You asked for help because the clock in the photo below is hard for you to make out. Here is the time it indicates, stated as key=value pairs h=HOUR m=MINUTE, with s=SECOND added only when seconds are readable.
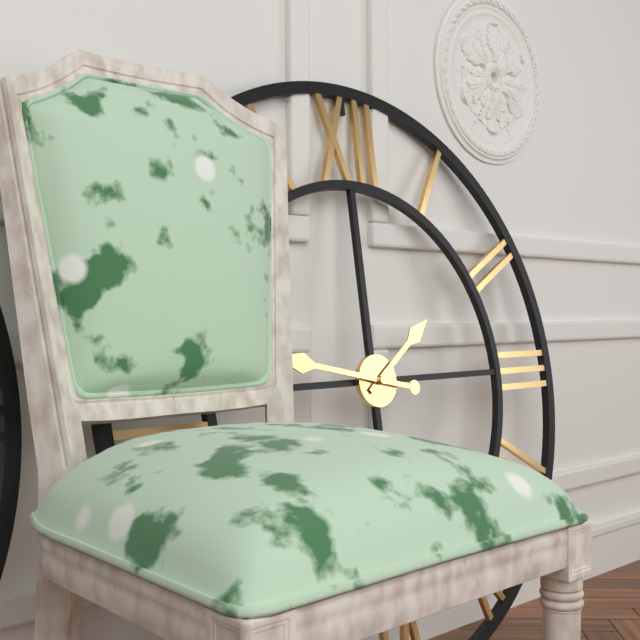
h=1 m=47
